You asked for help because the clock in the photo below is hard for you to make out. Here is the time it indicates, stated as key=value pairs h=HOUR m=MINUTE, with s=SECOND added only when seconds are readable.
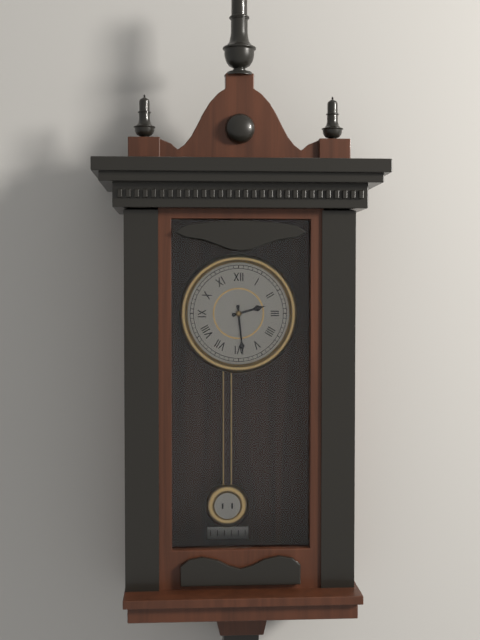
h=2 m=29
